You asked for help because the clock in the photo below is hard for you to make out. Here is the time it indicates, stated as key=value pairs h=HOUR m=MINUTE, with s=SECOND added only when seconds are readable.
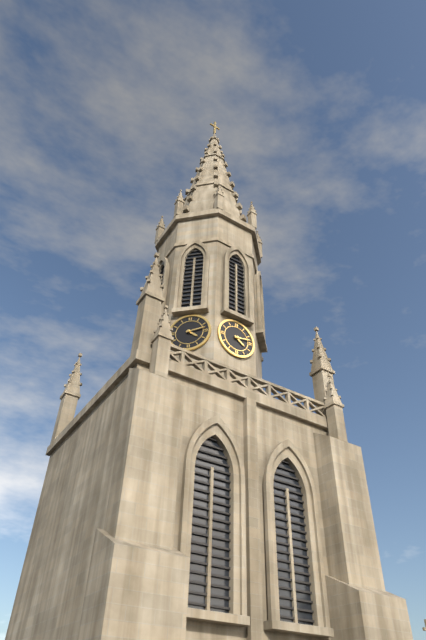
h=4 m=13
